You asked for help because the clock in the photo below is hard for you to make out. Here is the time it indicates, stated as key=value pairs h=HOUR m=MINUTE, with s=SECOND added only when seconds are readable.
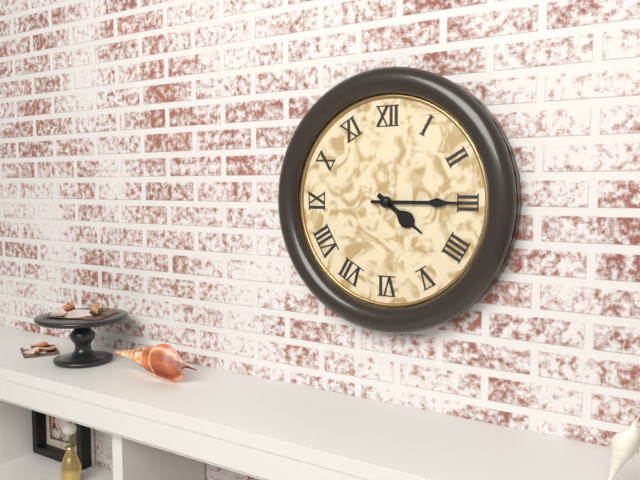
h=4 m=15
